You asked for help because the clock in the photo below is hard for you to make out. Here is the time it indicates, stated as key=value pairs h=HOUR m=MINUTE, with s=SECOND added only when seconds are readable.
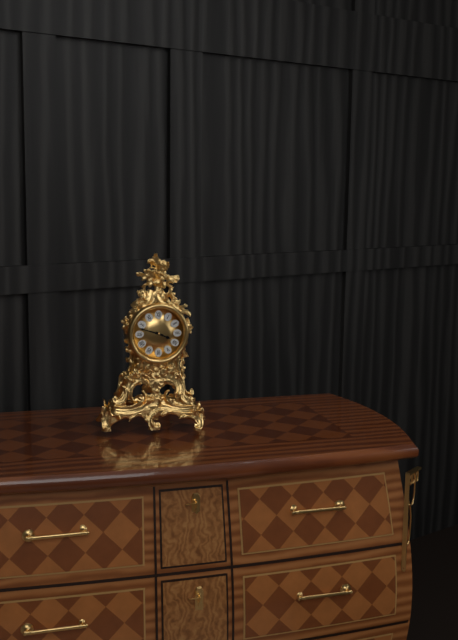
h=3 m=48
